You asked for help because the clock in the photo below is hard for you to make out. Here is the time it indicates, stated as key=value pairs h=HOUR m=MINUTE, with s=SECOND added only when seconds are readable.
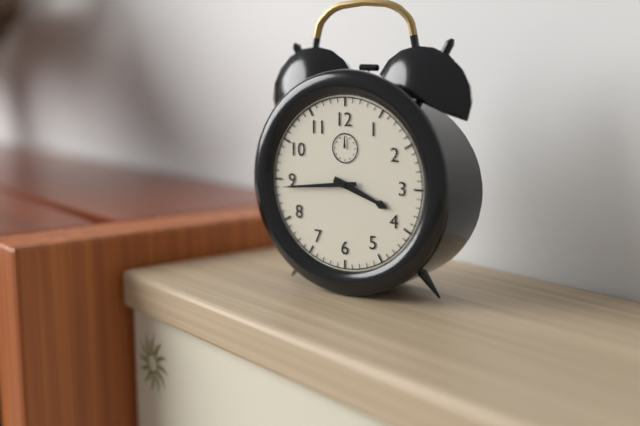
h=3 m=44
